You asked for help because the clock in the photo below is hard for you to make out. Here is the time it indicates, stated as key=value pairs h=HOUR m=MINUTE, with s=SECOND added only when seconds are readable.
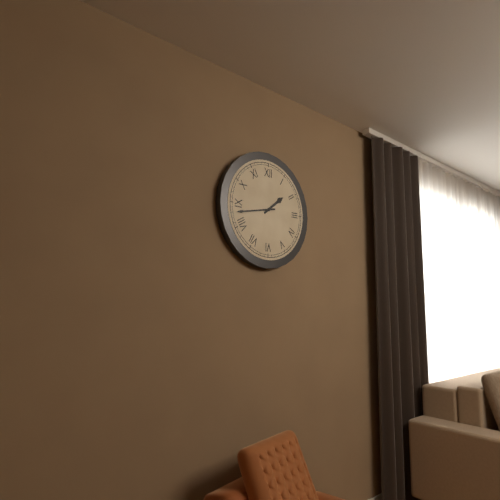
h=1 m=43
